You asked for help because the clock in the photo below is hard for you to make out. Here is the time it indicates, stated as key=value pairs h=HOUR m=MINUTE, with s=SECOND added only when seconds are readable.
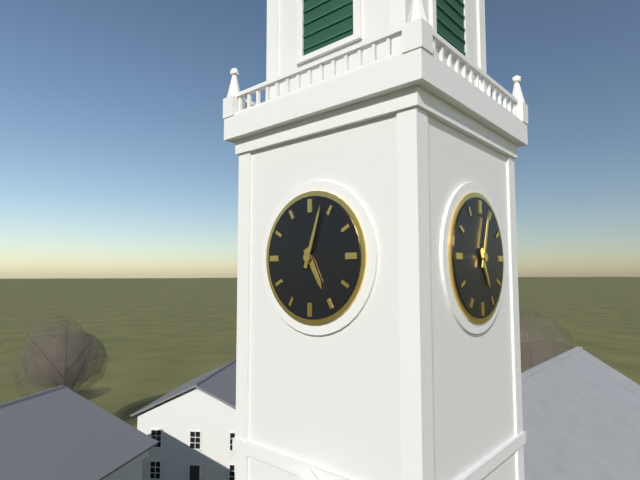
h=5 m=3
